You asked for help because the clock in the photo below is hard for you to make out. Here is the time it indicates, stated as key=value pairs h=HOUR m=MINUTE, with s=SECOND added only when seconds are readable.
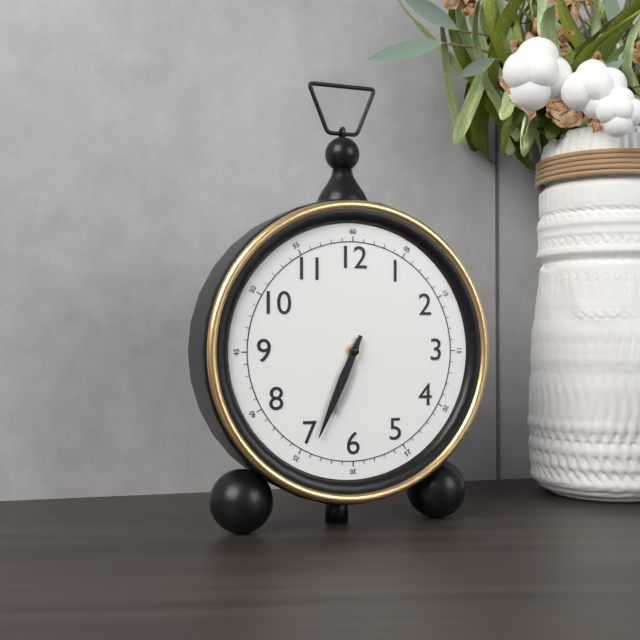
h=6 m=34
